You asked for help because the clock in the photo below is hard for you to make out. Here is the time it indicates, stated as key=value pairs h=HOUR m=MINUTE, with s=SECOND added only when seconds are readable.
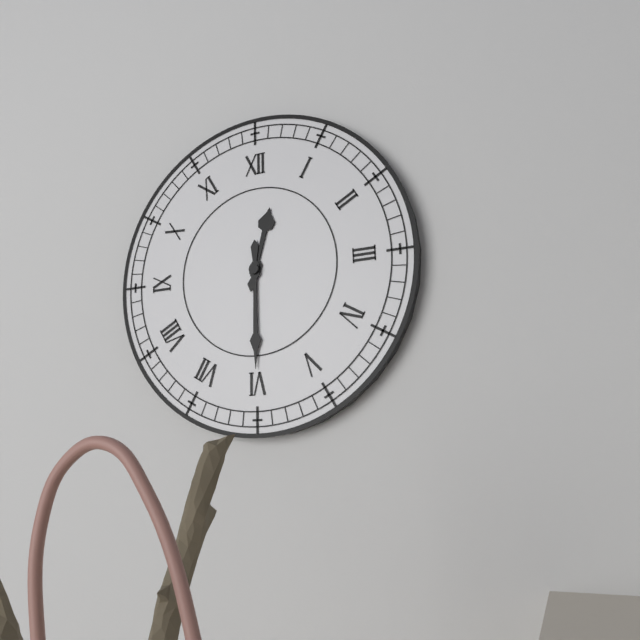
h=12 m=30
